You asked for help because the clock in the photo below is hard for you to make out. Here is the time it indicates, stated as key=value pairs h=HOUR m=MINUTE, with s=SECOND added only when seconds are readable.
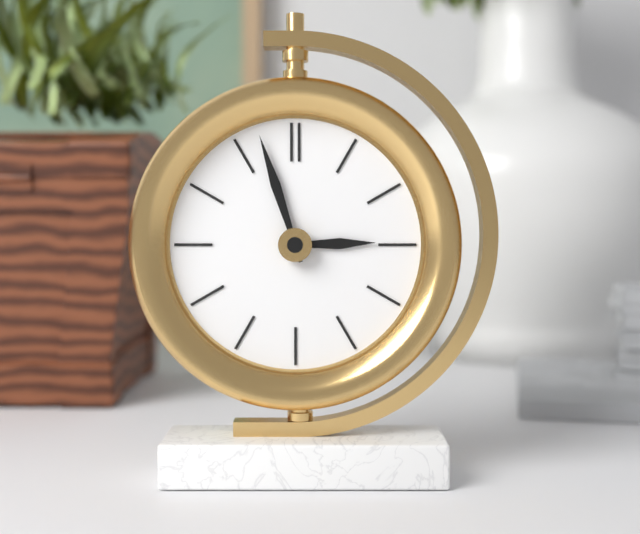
h=2 m=57
